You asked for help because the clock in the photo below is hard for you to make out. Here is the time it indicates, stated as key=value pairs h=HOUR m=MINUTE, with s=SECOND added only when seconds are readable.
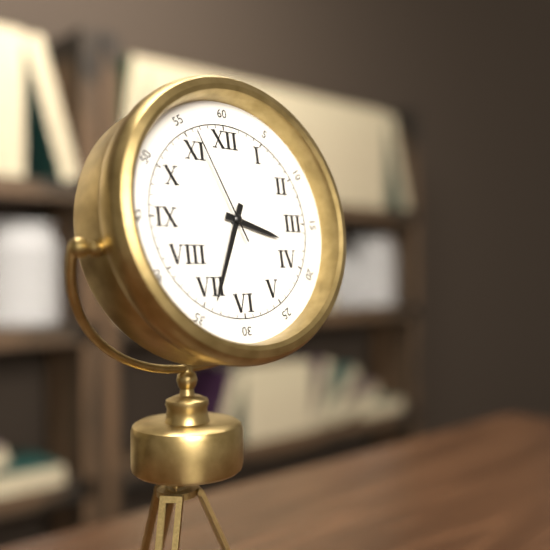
h=3 m=34 s=56
